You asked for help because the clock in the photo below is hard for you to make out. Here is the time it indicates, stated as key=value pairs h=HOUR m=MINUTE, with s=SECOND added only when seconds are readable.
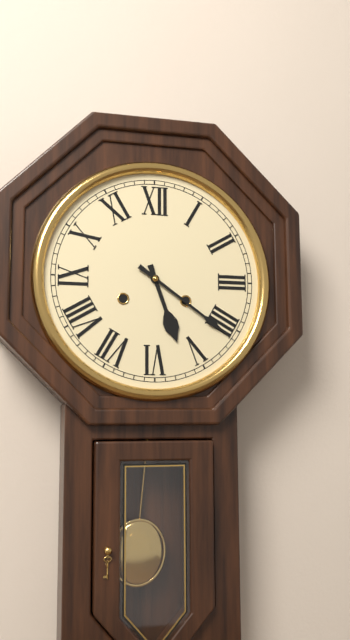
h=5 m=21
